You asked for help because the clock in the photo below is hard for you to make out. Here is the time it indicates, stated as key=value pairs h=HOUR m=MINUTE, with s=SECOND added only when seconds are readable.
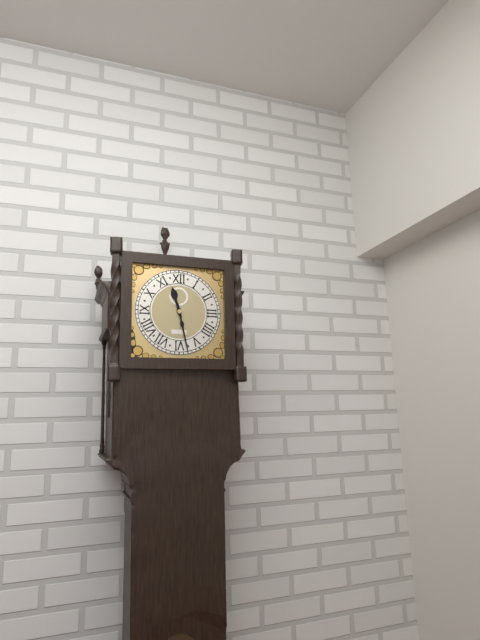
h=11 m=28
